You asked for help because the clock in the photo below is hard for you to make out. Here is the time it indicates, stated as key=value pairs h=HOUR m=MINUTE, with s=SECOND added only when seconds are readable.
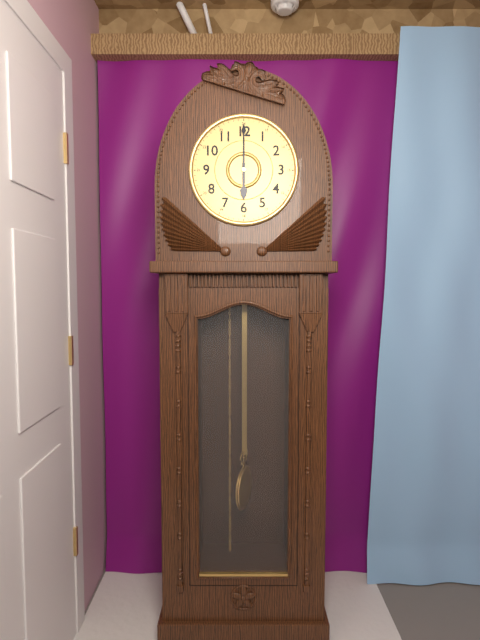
h=6 m=0
